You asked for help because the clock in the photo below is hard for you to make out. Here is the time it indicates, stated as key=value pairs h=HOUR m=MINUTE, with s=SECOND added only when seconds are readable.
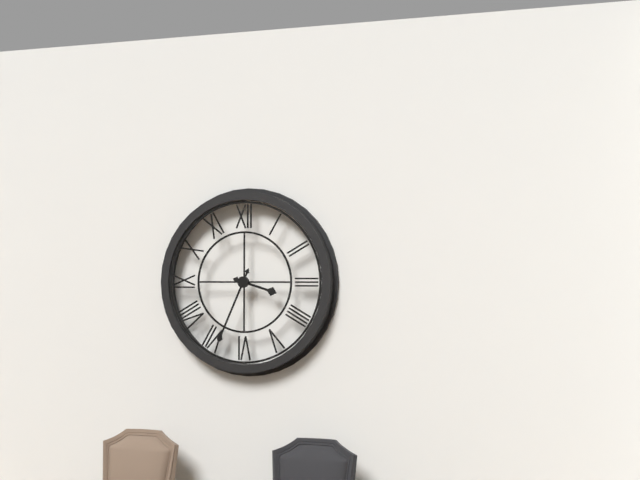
h=3 m=34
